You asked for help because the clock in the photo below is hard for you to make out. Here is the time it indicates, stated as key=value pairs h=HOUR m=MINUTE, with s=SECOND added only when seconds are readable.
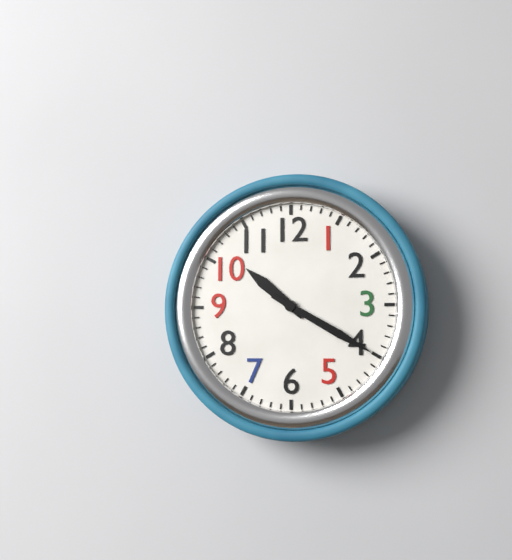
h=10 m=20
